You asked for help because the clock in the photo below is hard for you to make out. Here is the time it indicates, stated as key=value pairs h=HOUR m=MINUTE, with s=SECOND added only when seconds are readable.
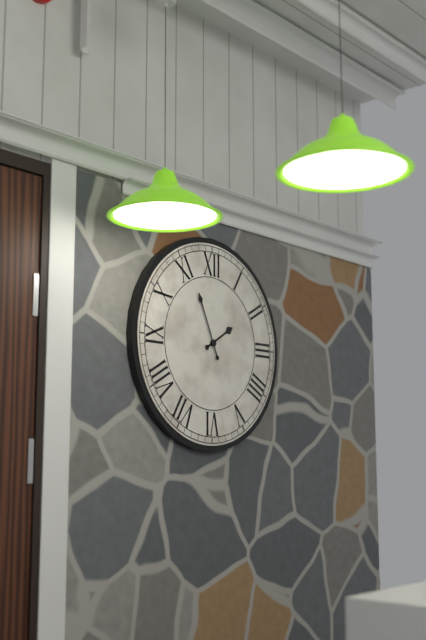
h=1 m=56
